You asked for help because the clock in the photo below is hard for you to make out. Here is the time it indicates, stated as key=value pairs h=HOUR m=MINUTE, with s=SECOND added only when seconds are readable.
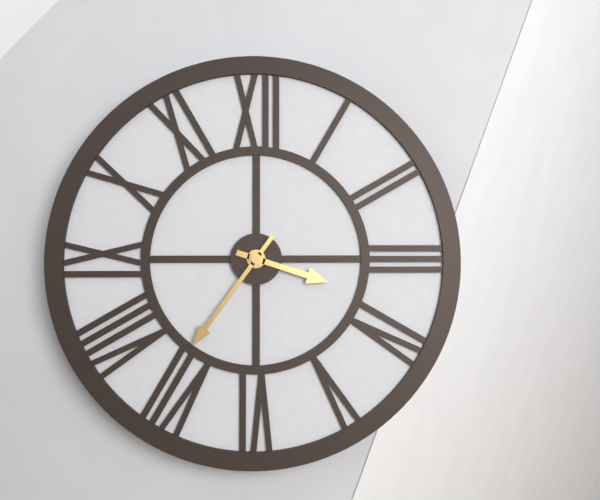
h=3 m=36
